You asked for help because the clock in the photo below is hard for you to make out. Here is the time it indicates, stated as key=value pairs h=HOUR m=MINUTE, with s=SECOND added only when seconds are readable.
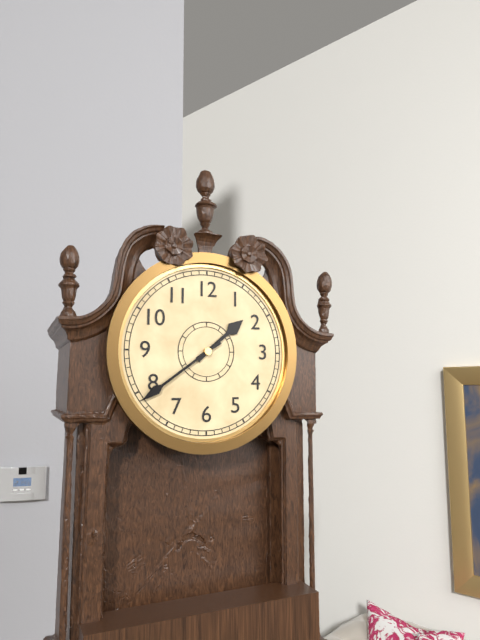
h=1 m=39
